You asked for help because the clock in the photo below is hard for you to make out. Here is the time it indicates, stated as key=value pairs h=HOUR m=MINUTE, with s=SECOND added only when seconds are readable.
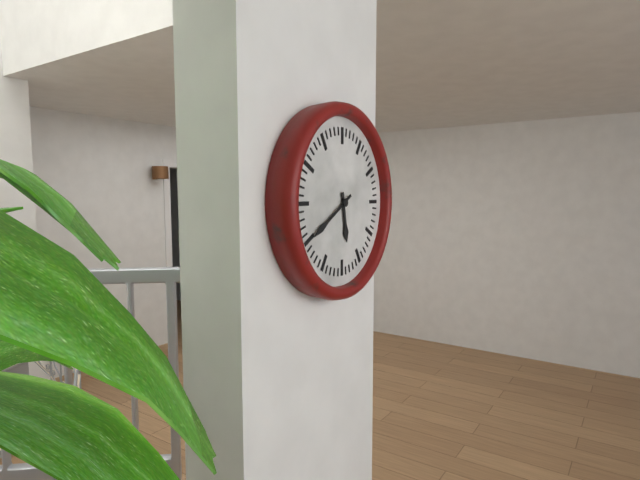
h=5 m=40
